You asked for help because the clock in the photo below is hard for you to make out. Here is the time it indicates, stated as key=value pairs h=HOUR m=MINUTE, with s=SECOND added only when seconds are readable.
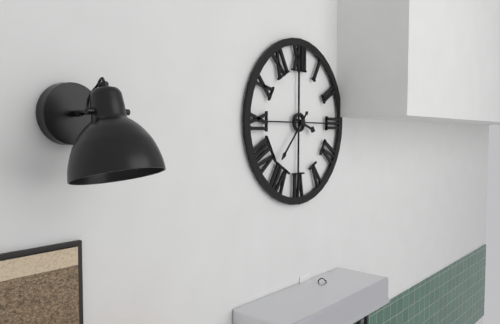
h=3 m=37
